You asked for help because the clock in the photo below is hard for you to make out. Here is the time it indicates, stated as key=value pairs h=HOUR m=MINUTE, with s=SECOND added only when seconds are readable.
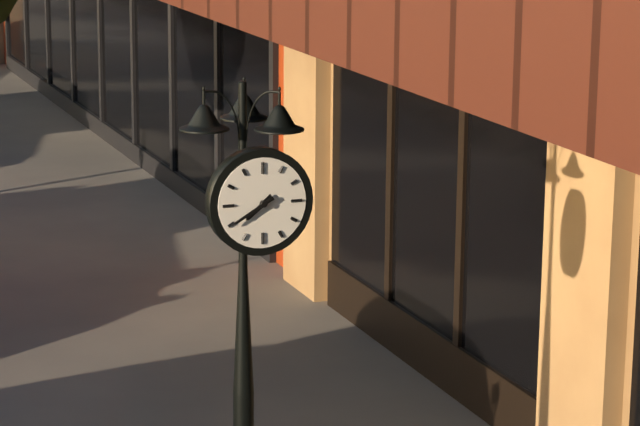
h=7 m=40
